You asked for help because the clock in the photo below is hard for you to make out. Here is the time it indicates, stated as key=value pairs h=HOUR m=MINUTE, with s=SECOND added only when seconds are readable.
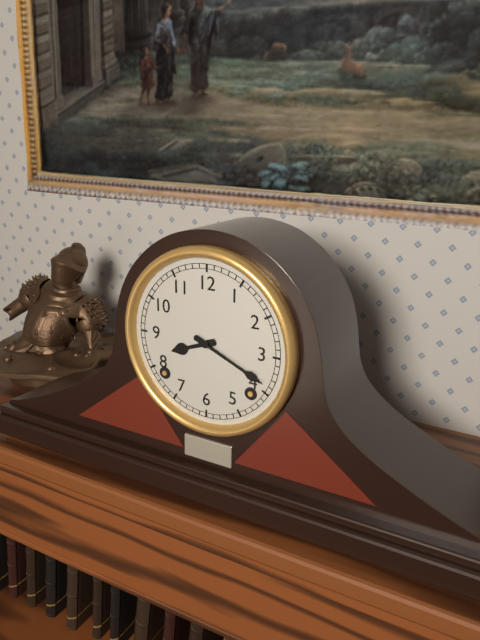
h=8 m=19
